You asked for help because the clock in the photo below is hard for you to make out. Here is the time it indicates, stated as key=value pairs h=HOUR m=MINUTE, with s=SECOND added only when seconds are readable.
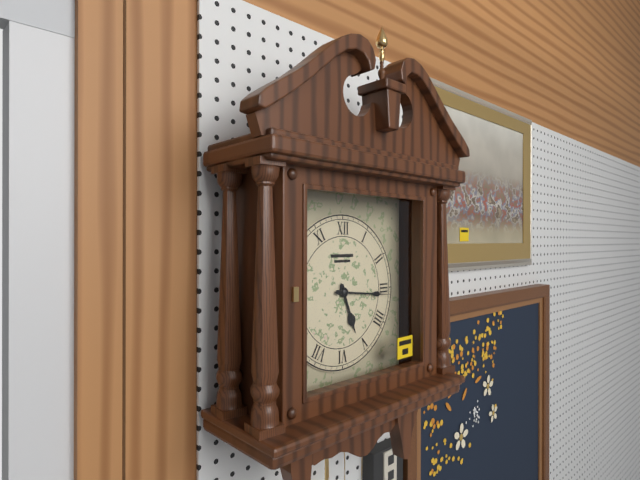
h=5 m=16
